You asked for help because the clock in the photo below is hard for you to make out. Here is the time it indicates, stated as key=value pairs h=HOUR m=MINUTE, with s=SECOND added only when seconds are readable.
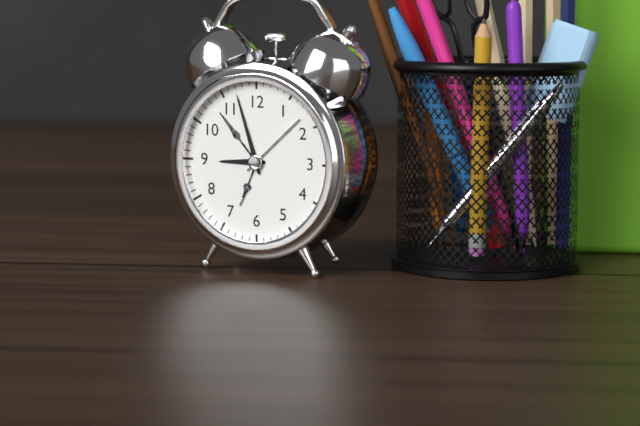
h=8 m=57
